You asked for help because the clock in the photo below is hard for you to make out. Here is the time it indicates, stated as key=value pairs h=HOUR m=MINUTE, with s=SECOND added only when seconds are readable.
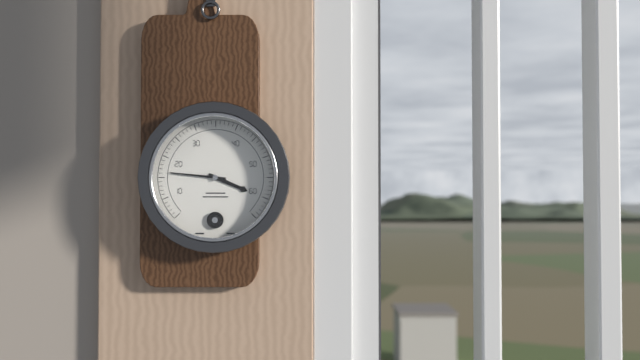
h=3 m=46
